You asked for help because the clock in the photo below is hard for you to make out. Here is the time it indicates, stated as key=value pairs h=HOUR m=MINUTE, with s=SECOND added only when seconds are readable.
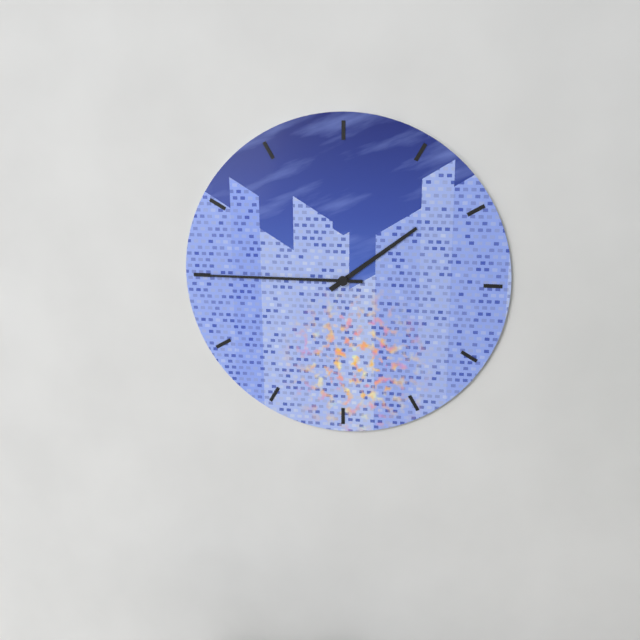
h=1 m=45
